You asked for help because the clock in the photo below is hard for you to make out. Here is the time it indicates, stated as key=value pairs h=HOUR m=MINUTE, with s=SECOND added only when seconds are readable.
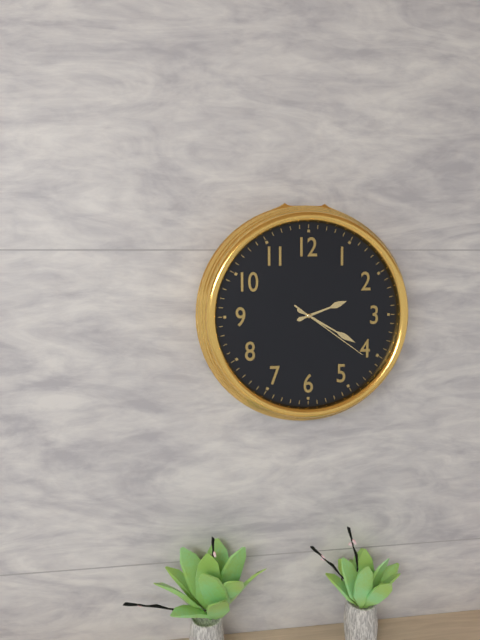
h=2 m=20 s=21
